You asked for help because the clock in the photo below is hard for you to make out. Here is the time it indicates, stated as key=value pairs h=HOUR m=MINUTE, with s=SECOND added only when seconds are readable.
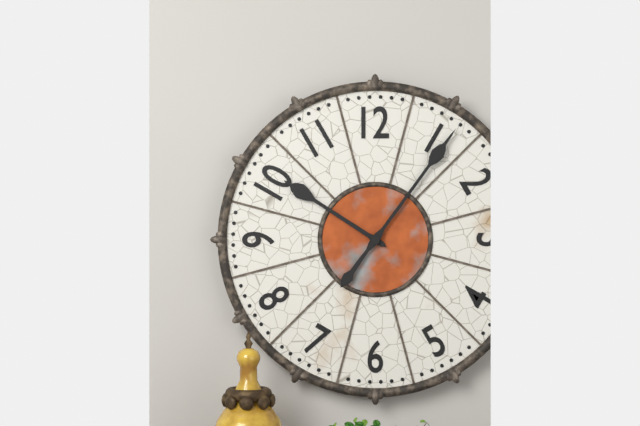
h=10 m=6
